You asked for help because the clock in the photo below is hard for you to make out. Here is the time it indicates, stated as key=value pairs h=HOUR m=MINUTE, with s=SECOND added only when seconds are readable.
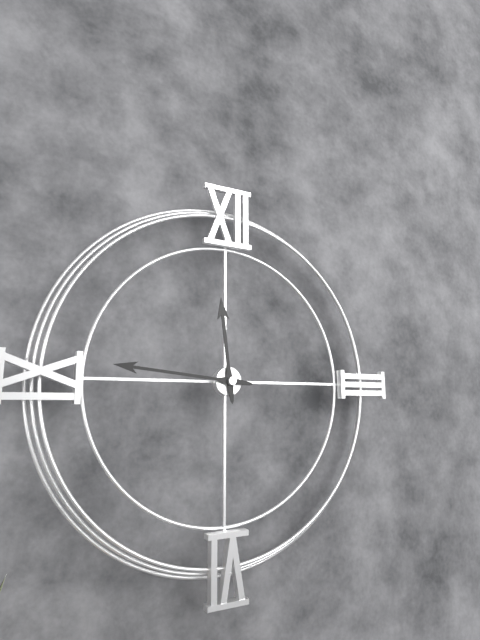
h=11 m=46
